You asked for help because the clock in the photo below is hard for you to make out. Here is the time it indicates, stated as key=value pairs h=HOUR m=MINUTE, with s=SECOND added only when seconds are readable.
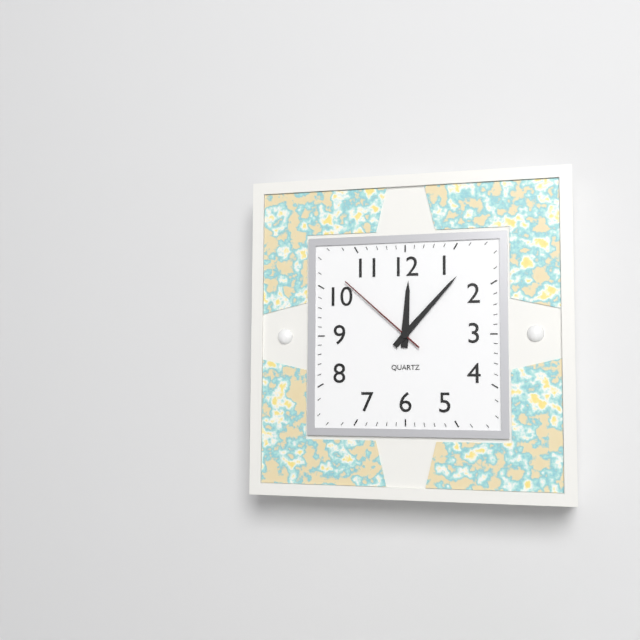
h=12 m=7 s=52
